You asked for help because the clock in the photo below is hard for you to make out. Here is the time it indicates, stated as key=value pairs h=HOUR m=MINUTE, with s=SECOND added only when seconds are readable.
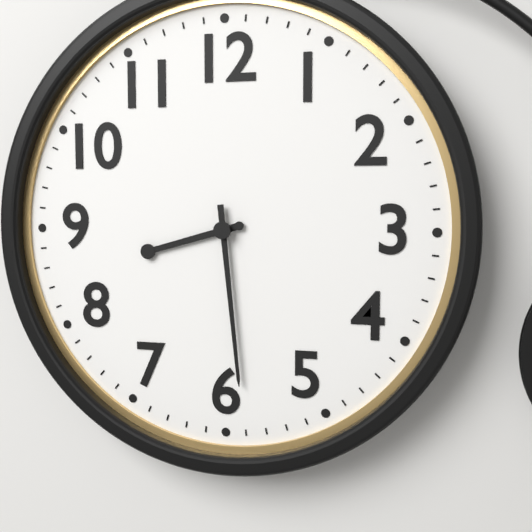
h=8 m=29
